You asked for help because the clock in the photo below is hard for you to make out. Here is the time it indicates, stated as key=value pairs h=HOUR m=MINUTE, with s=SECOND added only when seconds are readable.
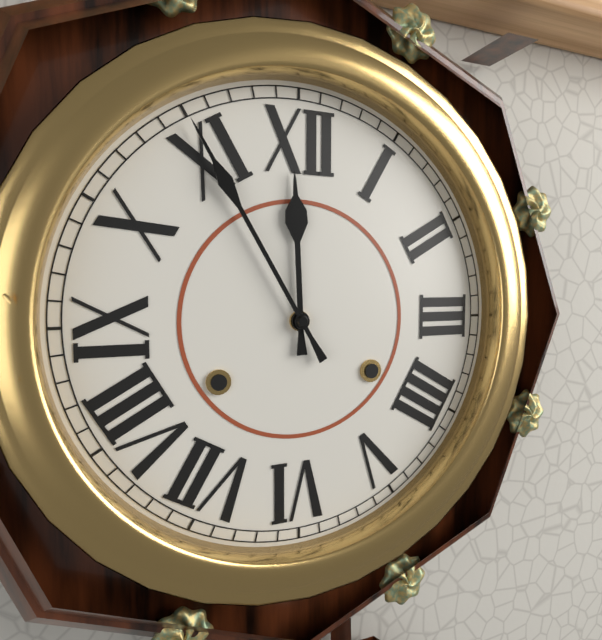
h=11 m=55
